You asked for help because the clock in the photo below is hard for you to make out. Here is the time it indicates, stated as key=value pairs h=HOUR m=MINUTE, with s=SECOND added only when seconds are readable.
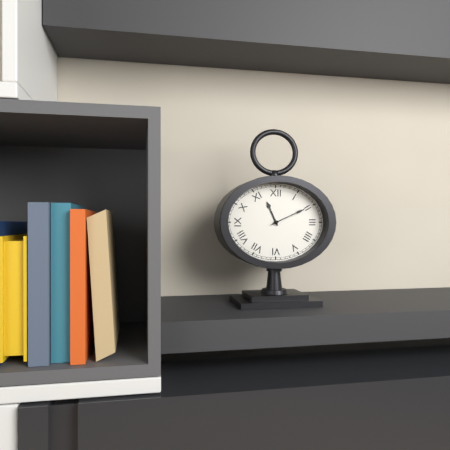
h=11 m=11
